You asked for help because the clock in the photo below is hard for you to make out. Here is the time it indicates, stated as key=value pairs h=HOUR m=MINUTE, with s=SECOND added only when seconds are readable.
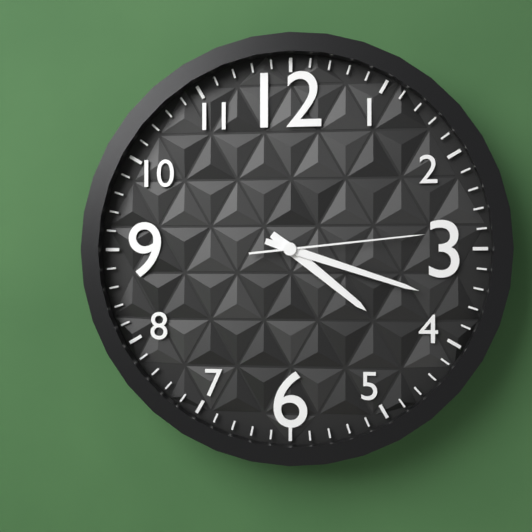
h=4 m=18 s=14
